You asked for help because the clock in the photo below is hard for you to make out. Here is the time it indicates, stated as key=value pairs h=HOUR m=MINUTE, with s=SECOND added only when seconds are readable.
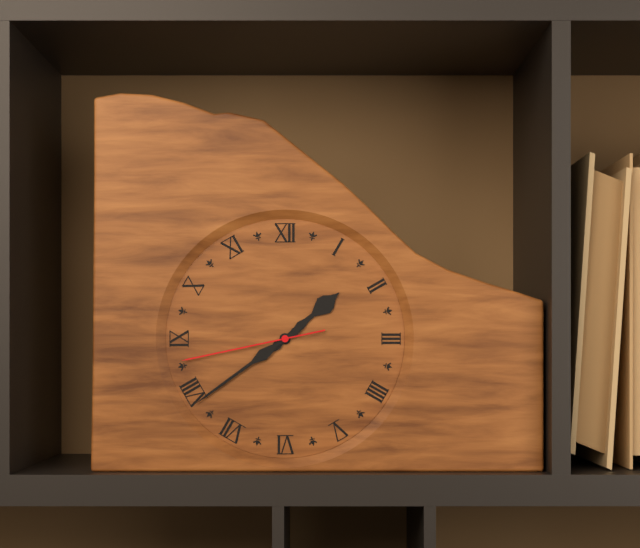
h=1 m=39 s=43
